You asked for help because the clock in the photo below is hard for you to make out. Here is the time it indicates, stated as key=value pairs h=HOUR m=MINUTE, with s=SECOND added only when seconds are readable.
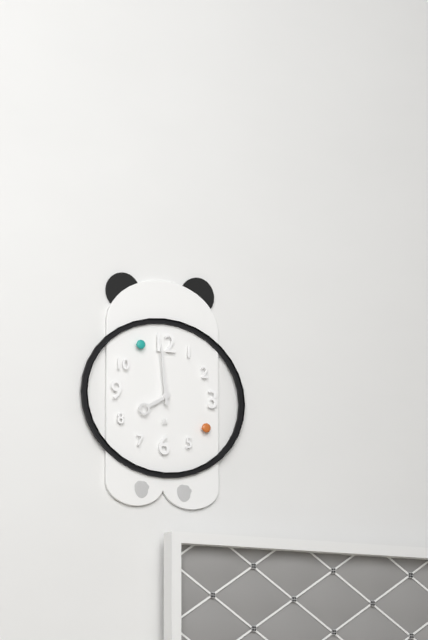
h=7 m=59
